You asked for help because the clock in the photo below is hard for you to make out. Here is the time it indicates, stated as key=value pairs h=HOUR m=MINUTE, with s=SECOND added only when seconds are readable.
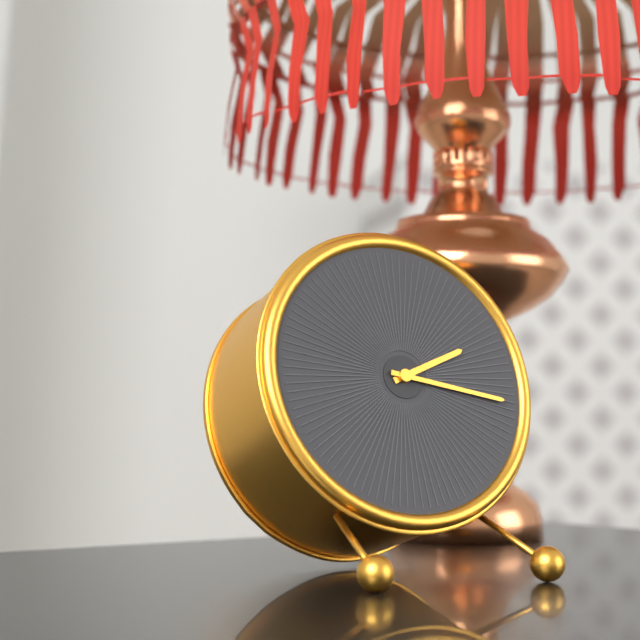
h=2 m=17
